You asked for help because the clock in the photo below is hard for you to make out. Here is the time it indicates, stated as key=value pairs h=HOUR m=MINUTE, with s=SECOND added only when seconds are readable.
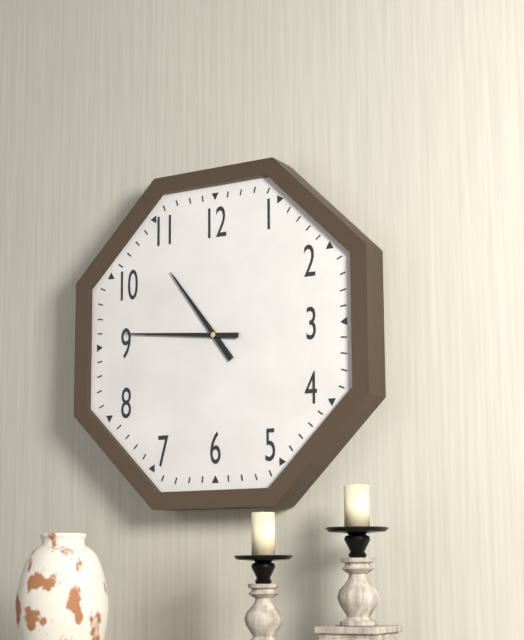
h=10 m=46
